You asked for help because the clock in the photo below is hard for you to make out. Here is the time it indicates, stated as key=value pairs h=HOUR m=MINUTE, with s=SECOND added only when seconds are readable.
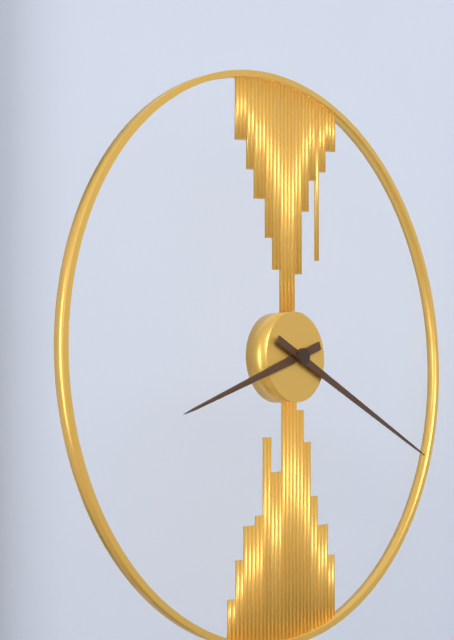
h=8 m=19
